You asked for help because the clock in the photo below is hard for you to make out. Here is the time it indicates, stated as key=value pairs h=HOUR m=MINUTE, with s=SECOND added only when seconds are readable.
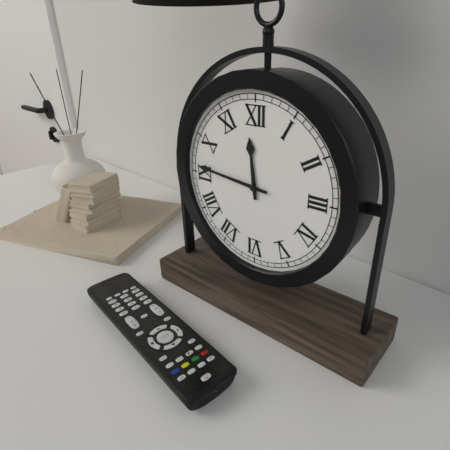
h=11 m=46
